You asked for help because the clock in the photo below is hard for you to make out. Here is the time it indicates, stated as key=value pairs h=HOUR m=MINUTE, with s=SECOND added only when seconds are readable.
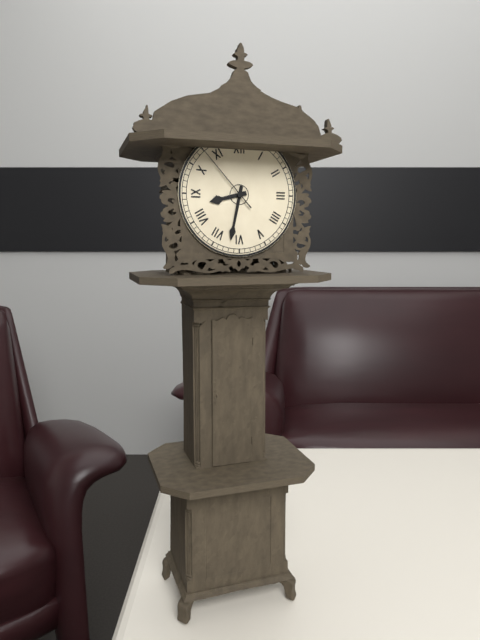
h=8 m=32 s=53
